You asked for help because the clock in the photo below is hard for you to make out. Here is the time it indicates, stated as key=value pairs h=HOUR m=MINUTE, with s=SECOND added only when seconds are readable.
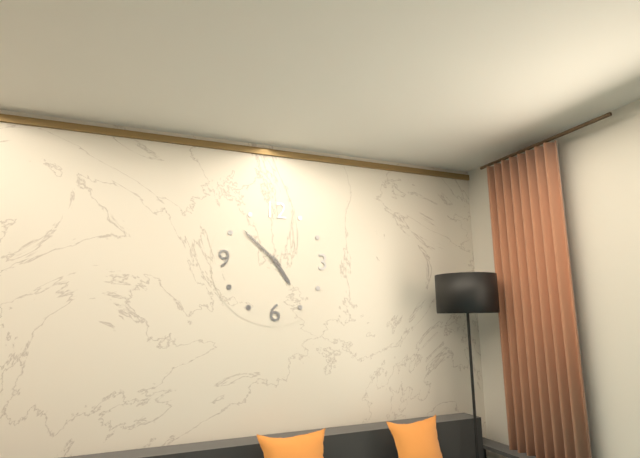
h=4 m=52
